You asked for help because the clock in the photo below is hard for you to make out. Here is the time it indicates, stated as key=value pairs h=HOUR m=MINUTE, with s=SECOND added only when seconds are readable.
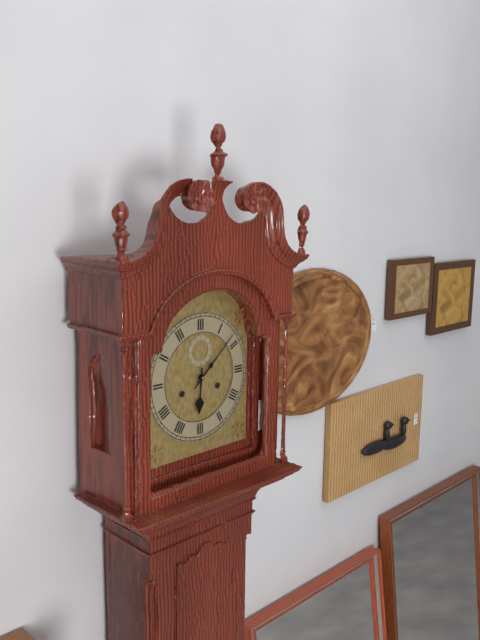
h=6 m=8
